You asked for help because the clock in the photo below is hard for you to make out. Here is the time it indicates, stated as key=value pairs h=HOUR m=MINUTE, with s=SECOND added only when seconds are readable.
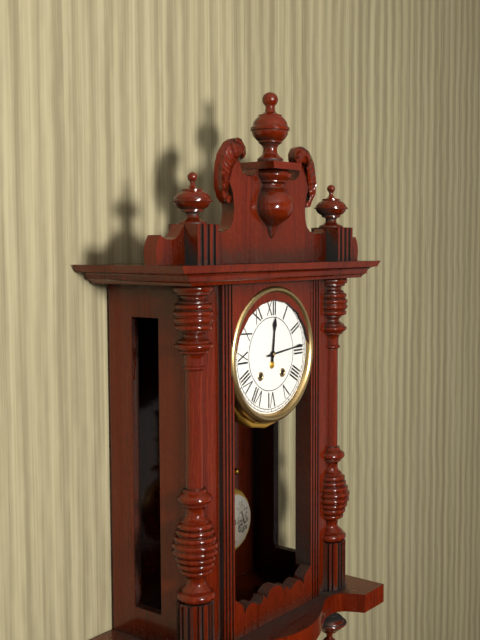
h=12 m=14
